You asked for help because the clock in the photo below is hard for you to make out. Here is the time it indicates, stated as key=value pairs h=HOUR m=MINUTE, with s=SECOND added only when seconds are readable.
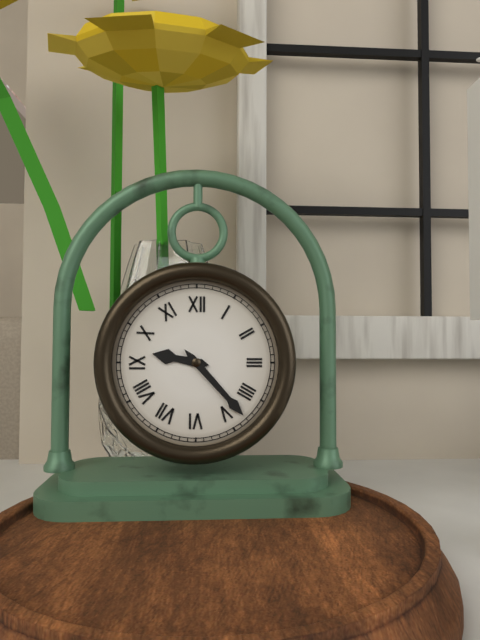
h=9 m=23
